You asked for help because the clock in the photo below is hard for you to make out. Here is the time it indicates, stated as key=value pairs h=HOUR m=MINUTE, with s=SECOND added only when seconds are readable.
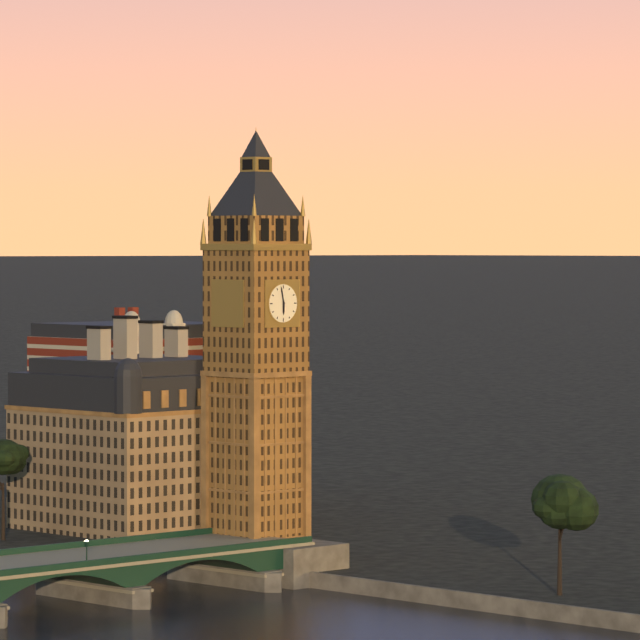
h=5 m=58
